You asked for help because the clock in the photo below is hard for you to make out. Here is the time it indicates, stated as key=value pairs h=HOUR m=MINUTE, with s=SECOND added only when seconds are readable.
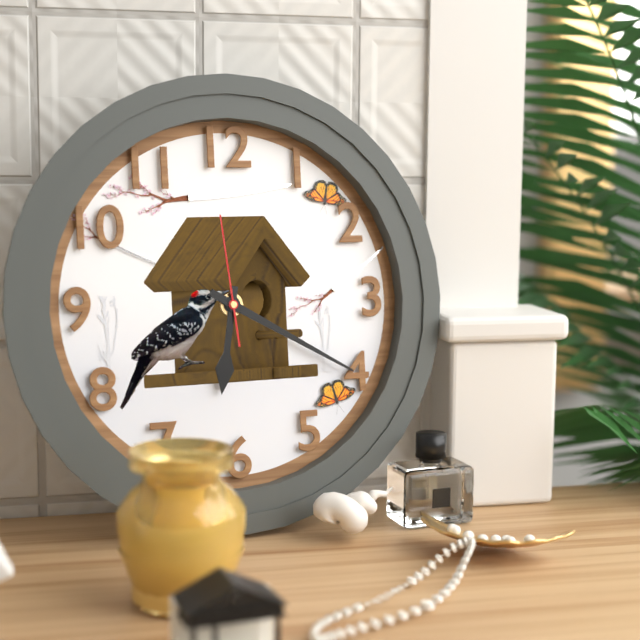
h=6 m=20 s=59
